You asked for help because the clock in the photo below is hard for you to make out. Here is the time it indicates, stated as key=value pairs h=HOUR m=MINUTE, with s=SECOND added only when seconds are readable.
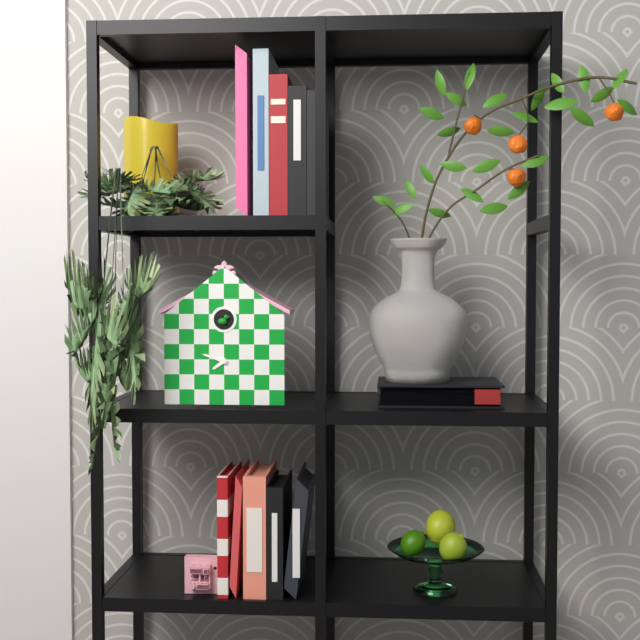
h=7 m=48
